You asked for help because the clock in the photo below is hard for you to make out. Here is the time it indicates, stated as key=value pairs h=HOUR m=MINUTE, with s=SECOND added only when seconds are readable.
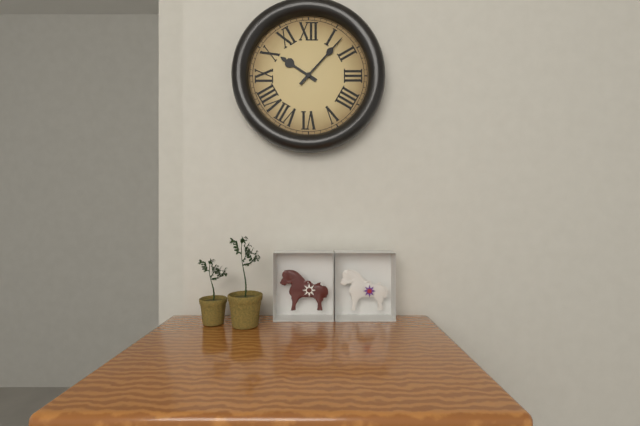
h=10 m=7
